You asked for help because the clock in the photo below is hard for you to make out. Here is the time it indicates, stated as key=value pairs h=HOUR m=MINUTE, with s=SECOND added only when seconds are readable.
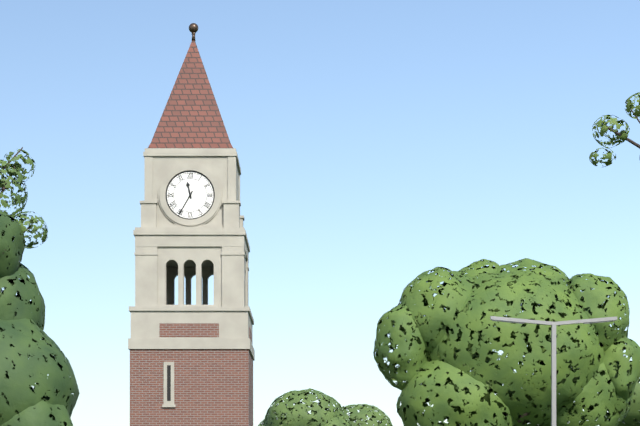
h=11 m=35
